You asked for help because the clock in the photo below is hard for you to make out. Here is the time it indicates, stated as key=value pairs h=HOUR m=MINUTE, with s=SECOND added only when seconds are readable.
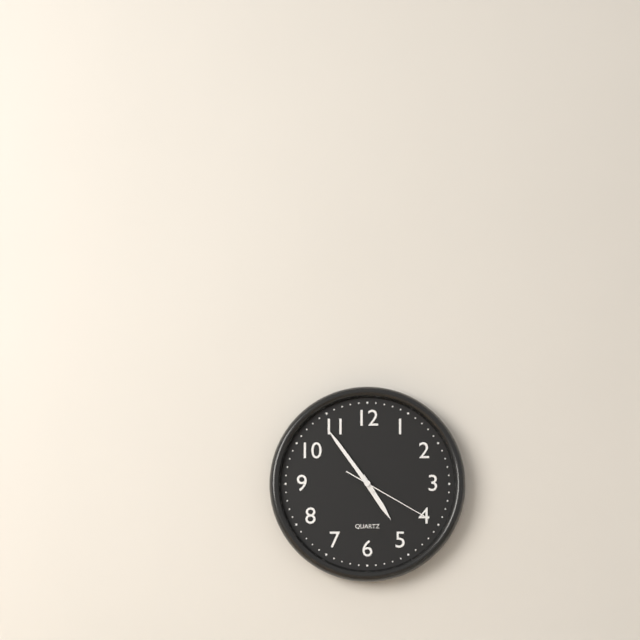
h=4 m=54 s=20
